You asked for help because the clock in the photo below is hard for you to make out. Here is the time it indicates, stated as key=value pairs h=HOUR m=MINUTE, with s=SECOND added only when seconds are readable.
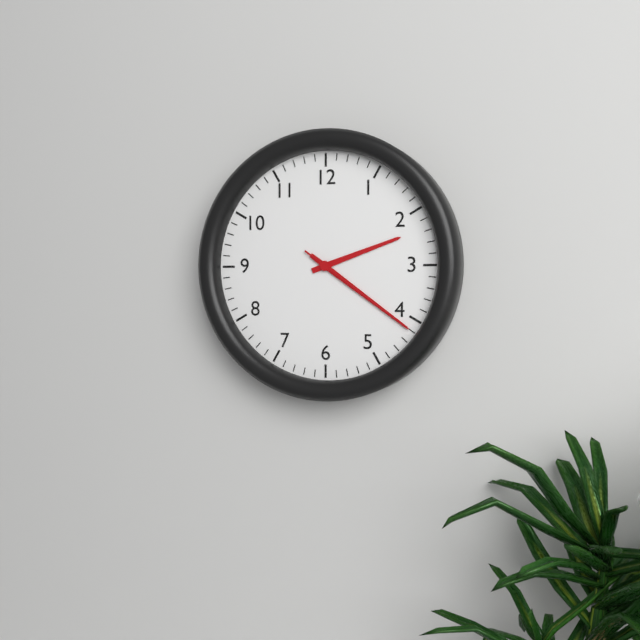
h=2 m=21 s=21
